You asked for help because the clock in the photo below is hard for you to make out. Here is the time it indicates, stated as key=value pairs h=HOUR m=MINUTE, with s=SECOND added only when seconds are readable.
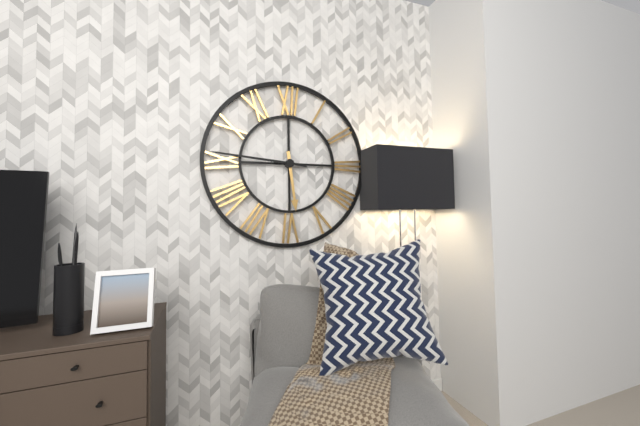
h=5 m=46
